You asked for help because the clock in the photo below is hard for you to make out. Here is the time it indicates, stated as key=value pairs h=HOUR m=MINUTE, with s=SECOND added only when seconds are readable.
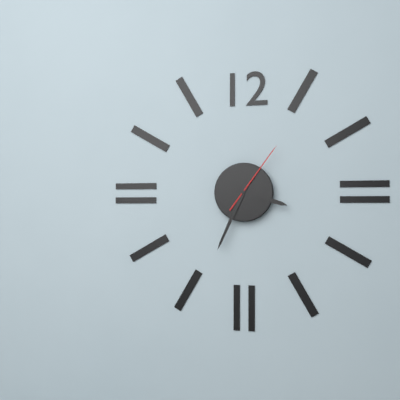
h=3 m=34 s=6
